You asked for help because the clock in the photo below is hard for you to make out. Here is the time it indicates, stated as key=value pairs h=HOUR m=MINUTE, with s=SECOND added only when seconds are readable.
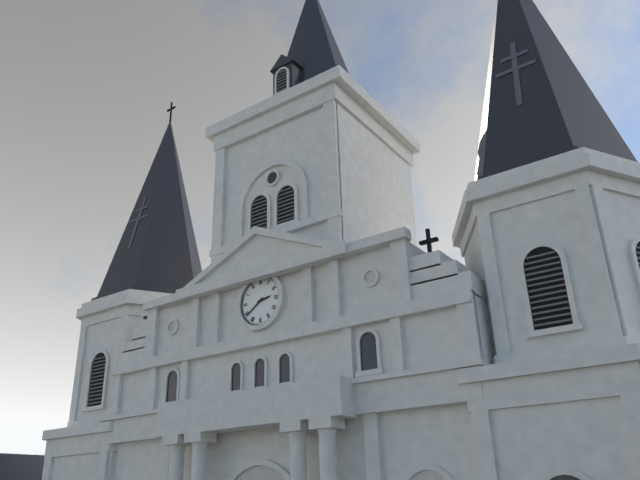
h=2 m=39
